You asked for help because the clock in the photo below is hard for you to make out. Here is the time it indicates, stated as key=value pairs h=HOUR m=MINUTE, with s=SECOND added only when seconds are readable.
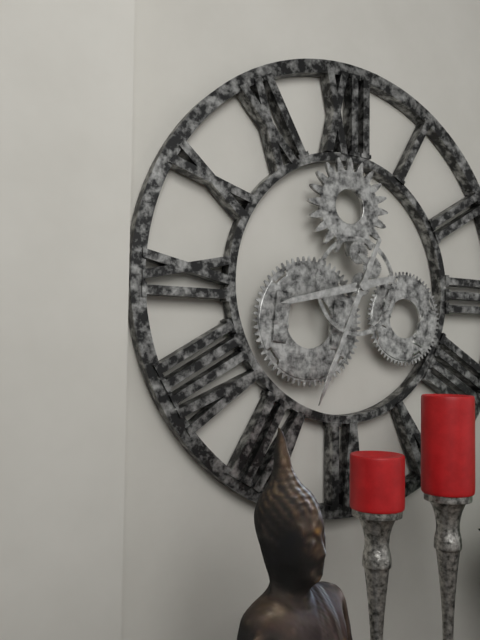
h=8 m=34
